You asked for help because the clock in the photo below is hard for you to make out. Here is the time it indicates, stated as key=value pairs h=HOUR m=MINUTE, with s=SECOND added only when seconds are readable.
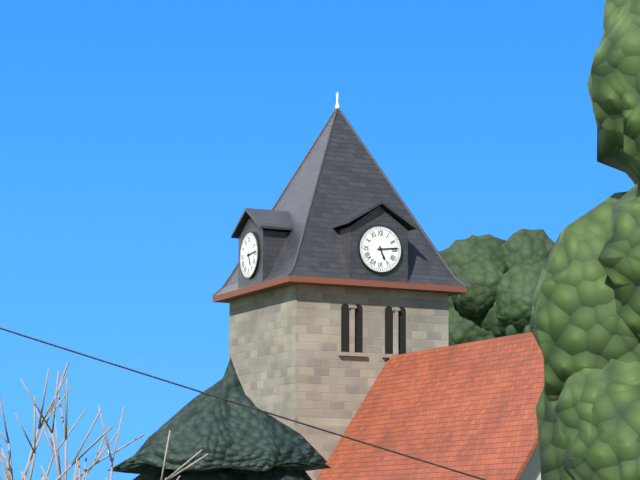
h=5 m=14
